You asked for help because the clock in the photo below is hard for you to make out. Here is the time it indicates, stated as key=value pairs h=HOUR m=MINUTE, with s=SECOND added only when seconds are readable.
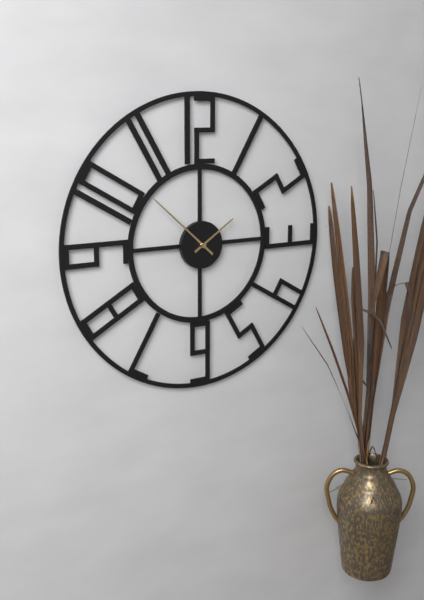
h=1 m=52
